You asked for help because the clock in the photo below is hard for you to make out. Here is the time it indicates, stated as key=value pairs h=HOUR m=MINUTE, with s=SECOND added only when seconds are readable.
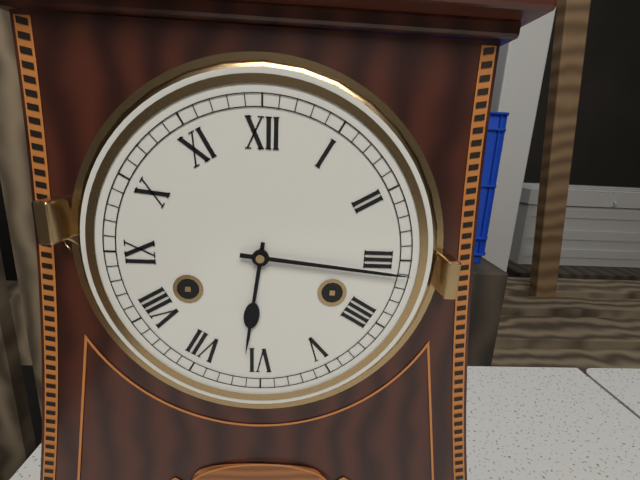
h=6 m=16
